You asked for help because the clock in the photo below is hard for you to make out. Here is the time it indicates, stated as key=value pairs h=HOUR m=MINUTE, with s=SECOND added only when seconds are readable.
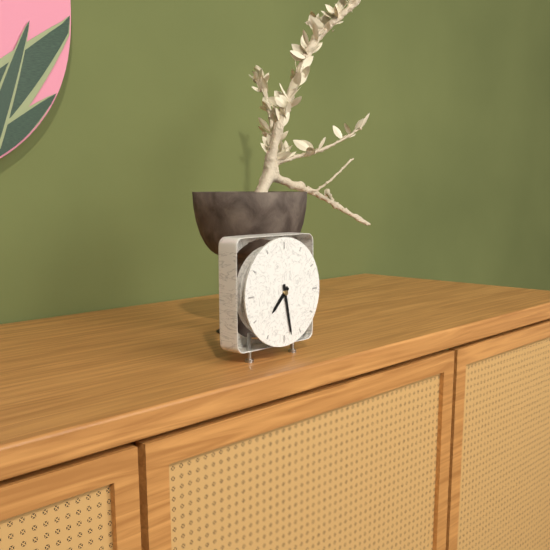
h=7 m=28
